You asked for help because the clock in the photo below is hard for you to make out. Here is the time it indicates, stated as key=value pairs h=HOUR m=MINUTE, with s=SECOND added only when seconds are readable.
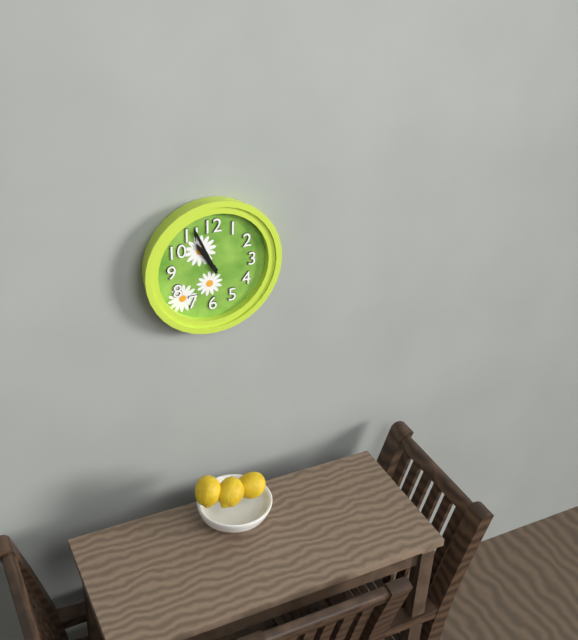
h=10 m=56
